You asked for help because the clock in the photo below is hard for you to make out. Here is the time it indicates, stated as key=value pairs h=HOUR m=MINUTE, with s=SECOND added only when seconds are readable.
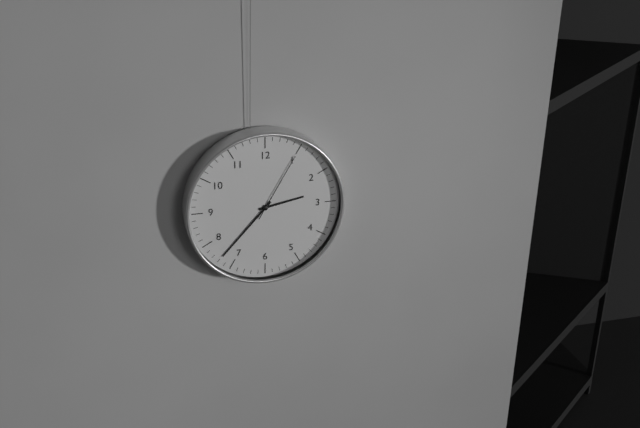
h=2 m=37 s=5
